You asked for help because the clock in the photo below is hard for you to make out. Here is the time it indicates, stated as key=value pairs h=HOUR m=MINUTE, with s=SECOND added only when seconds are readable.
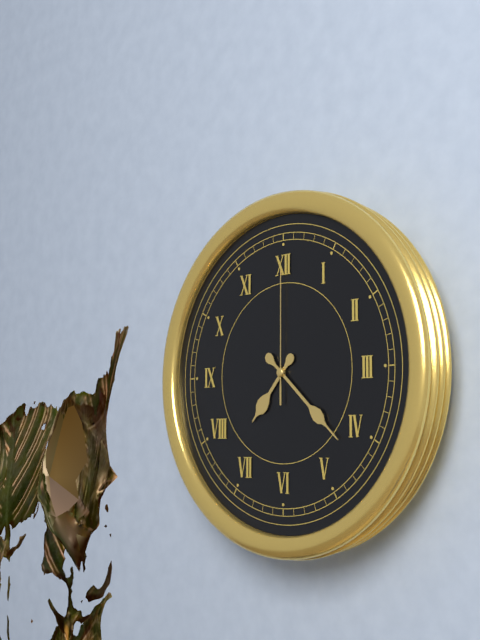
h=7 m=22 s=0
